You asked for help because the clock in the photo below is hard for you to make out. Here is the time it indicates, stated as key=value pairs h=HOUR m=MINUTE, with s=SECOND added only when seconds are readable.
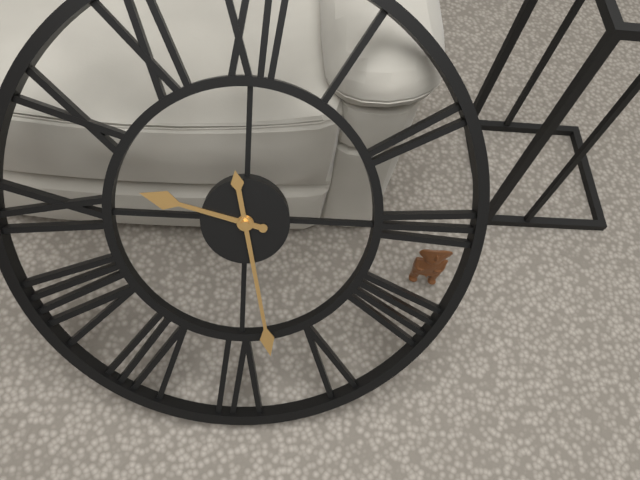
h=9 m=28
